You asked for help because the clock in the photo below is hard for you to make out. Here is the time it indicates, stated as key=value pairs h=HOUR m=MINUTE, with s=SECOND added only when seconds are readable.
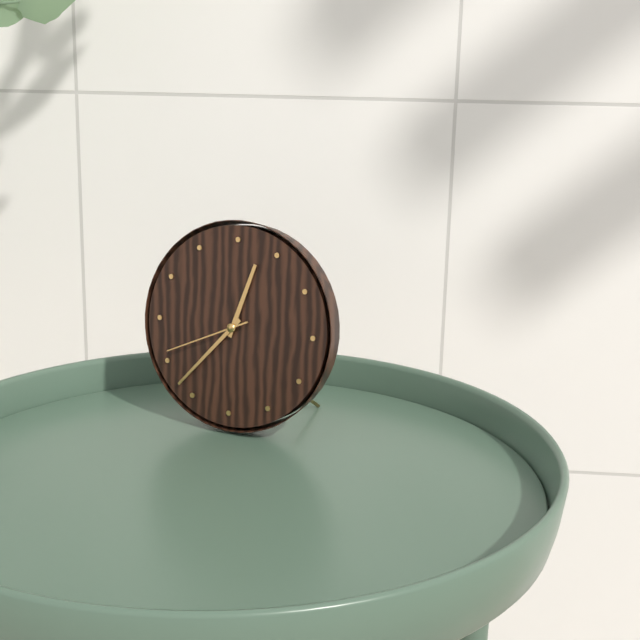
h=12 m=37 s=41
